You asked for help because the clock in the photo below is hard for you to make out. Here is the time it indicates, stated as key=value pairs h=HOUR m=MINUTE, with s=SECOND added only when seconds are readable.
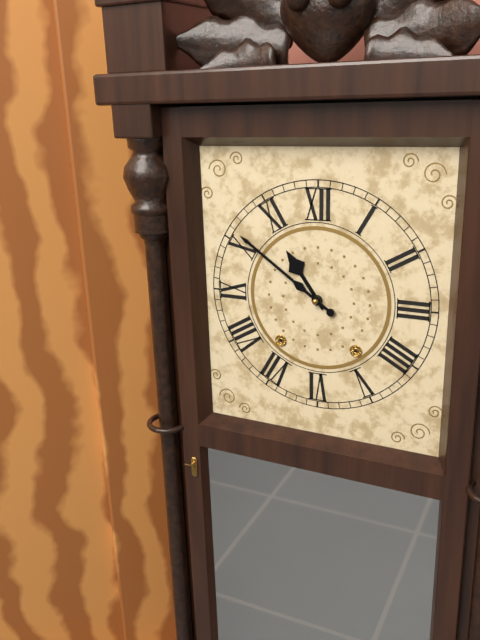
h=10 m=51
